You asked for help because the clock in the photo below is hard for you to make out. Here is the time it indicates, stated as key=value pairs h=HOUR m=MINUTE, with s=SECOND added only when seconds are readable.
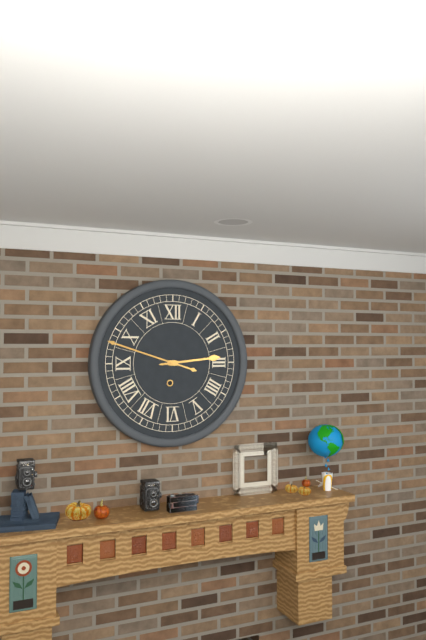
h=2 m=48
